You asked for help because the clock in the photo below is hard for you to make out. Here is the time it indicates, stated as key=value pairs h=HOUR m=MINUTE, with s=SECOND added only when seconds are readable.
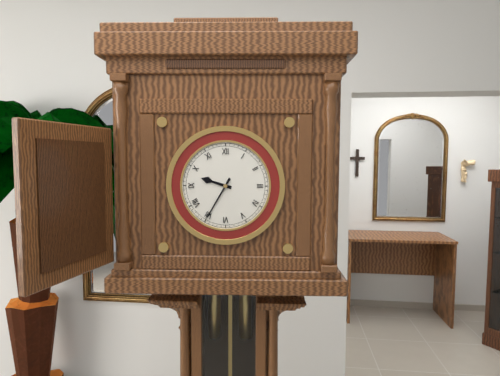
h=9 m=35
